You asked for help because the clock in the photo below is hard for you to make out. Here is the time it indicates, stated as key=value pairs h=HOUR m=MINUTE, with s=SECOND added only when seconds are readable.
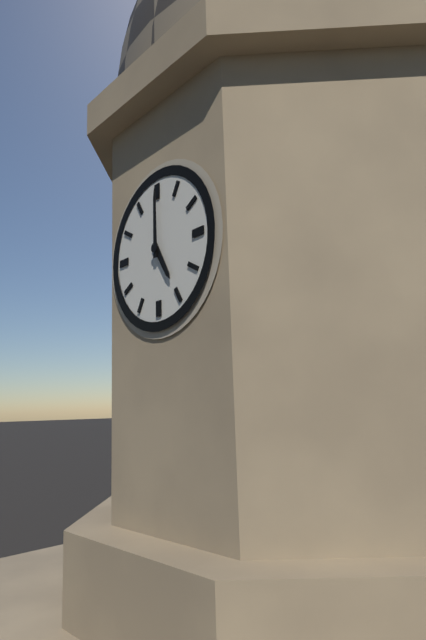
h=5 m=0
